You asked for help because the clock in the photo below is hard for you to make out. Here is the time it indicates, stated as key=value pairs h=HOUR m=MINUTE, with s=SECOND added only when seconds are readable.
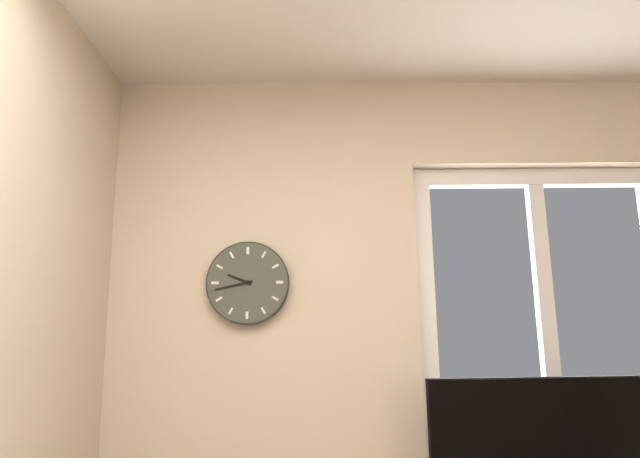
h=9 m=43
